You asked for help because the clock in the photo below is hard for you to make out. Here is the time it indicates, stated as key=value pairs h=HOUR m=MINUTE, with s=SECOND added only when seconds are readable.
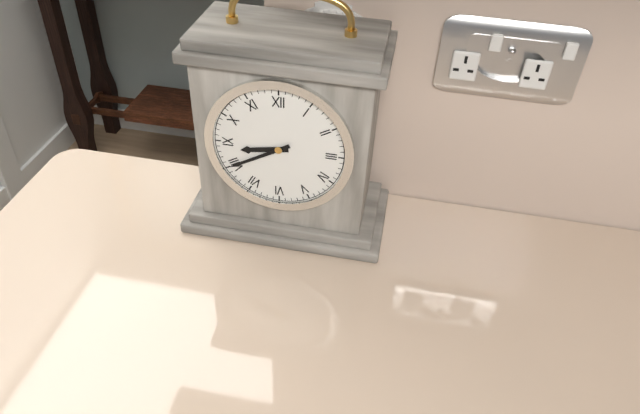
h=8 m=40
